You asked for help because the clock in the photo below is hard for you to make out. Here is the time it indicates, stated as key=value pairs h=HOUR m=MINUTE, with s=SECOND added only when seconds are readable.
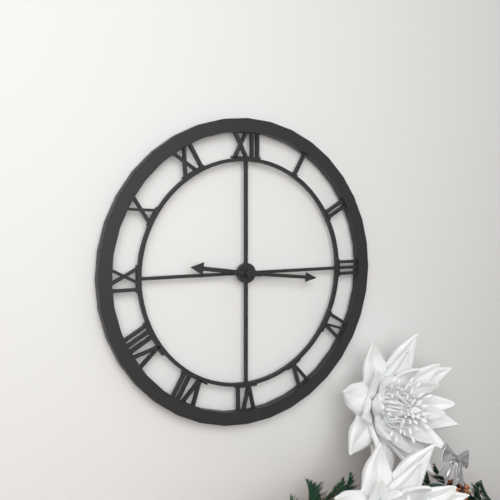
h=9 m=16
